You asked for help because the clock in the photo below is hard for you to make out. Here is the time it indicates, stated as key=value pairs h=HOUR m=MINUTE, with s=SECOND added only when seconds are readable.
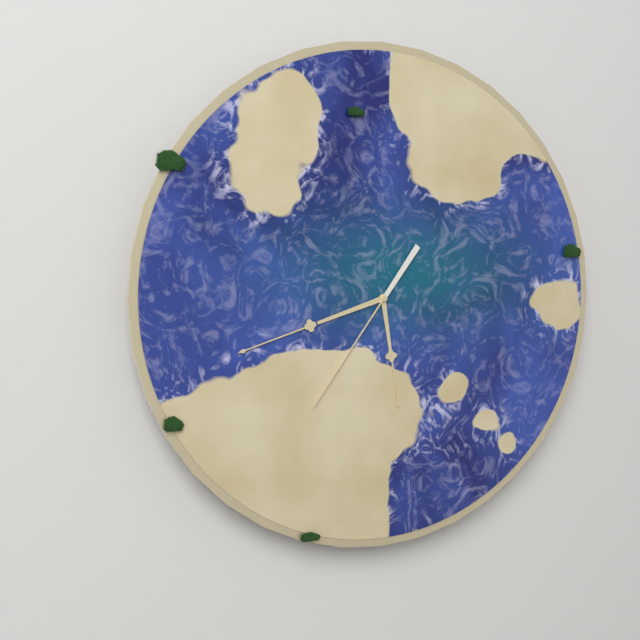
h=5 m=42 s=36
